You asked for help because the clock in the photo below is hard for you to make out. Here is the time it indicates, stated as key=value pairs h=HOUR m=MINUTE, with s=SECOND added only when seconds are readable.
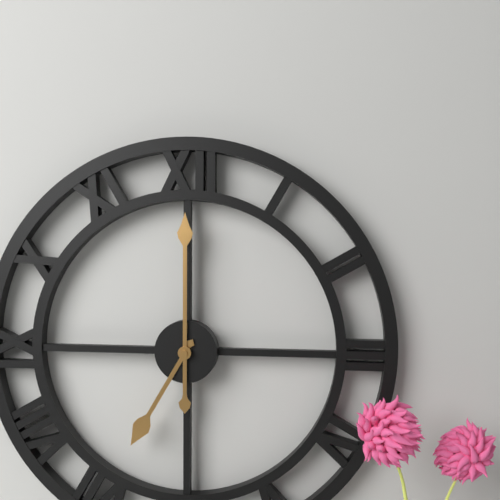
h=7 m=0
